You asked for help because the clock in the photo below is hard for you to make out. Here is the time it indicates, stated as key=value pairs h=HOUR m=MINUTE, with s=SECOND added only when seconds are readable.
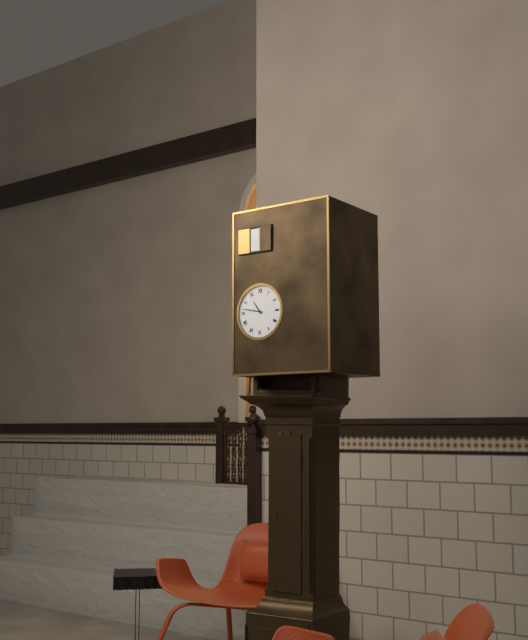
h=10 m=47
